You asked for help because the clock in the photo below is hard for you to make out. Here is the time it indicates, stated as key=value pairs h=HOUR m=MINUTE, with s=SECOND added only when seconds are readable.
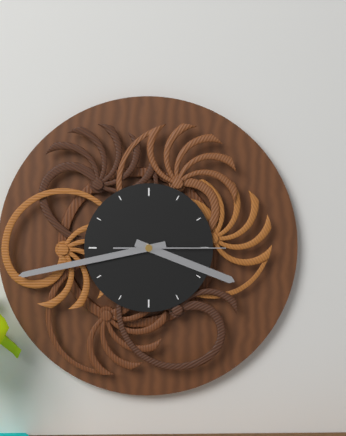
h=3 m=43 s=15
